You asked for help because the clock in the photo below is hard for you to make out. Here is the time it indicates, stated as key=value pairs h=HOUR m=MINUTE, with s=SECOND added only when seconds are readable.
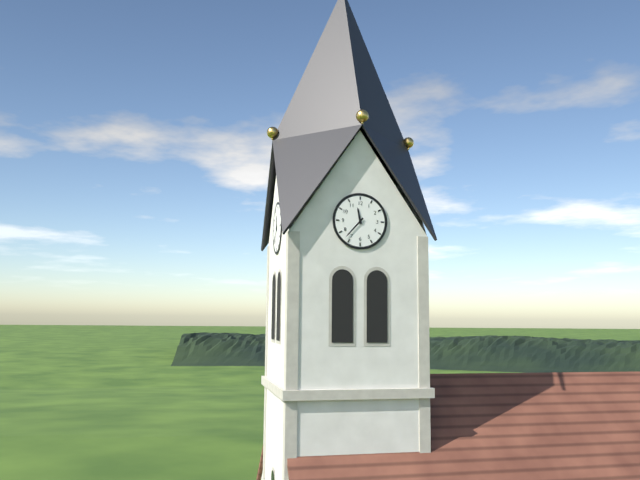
h=11 m=37
